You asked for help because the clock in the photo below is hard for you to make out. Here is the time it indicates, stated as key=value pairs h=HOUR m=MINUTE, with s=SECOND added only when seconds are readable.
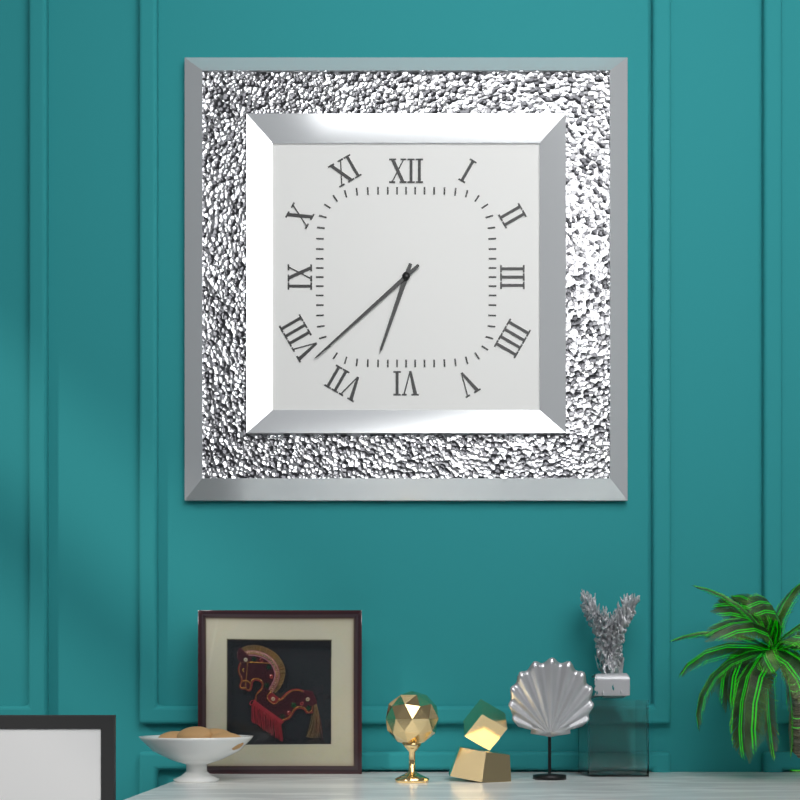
h=6 m=38
